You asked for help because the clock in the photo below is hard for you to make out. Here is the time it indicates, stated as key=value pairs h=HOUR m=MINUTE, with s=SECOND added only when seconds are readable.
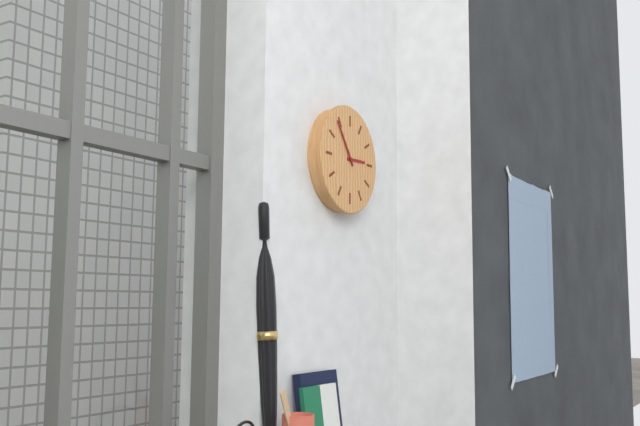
h=2 m=54
